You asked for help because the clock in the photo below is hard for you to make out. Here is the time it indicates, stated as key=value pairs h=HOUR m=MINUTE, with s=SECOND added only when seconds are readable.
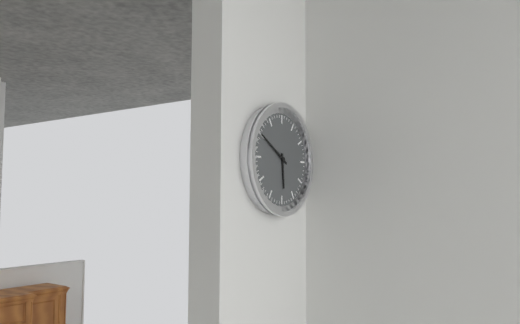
h=5 m=50
